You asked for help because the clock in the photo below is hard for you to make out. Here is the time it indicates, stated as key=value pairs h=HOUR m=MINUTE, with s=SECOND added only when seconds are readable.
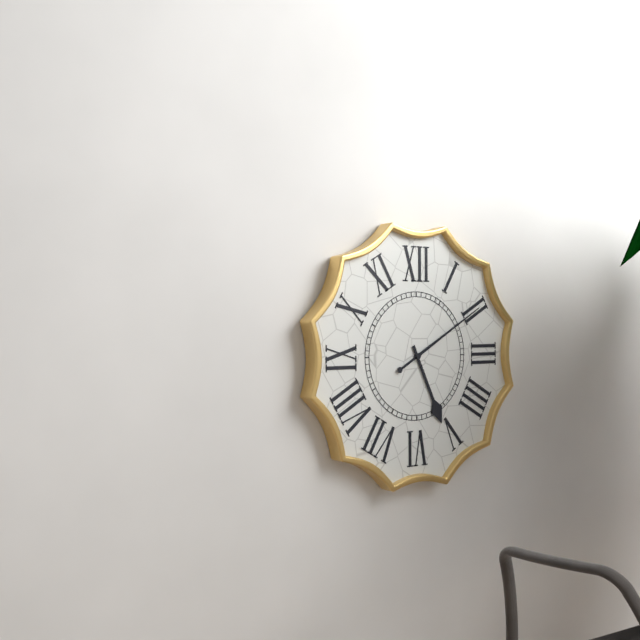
h=5 m=10
